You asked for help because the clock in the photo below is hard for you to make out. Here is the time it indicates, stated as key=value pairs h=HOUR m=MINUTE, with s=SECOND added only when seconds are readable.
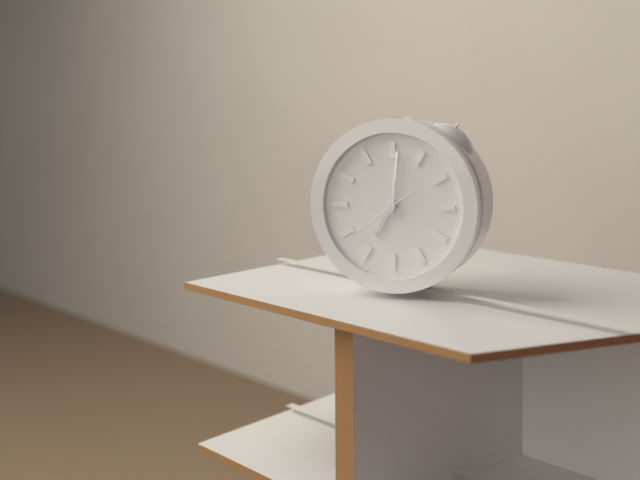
h=7 m=1 s=39
